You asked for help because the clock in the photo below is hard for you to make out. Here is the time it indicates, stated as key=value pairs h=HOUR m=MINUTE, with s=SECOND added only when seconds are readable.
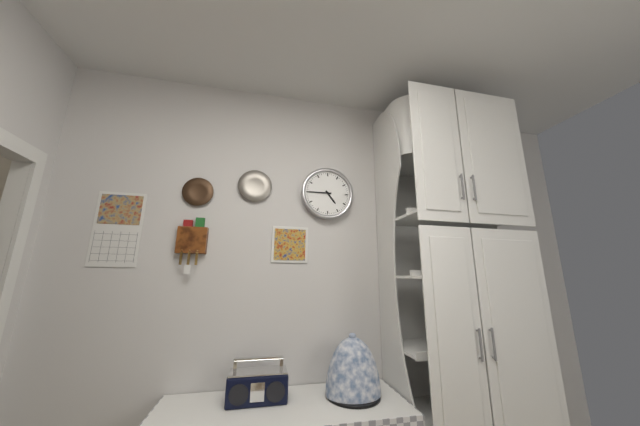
h=4 m=45
